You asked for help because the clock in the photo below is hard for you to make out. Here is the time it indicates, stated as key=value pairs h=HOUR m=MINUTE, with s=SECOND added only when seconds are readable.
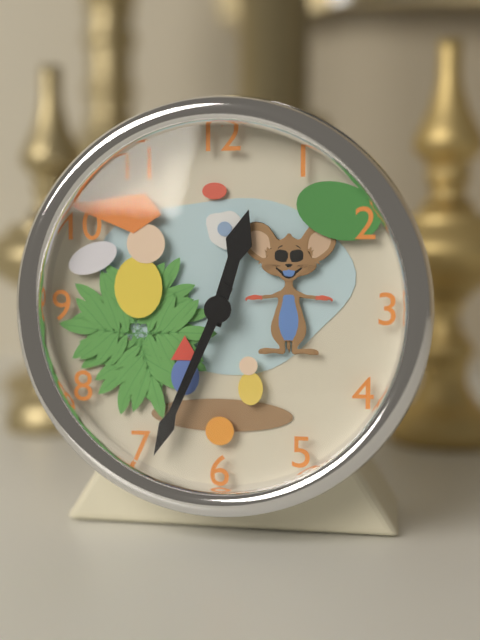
h=12 m=34
